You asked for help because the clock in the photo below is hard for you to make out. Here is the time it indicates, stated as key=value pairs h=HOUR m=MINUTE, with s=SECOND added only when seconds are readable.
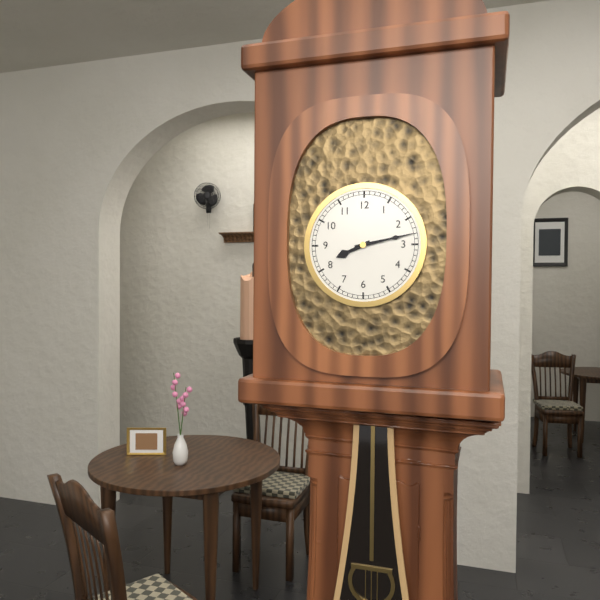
h=8 m=13
